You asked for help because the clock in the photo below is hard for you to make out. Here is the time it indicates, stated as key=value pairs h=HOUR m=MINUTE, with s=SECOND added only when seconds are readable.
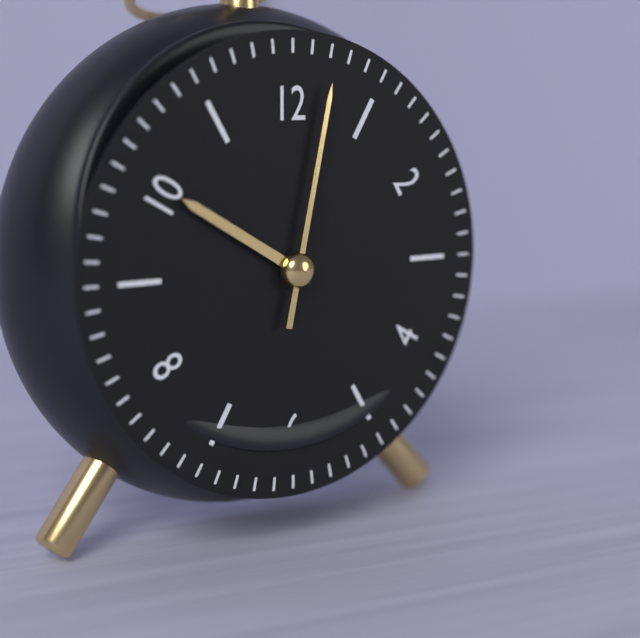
h=10 m=2
